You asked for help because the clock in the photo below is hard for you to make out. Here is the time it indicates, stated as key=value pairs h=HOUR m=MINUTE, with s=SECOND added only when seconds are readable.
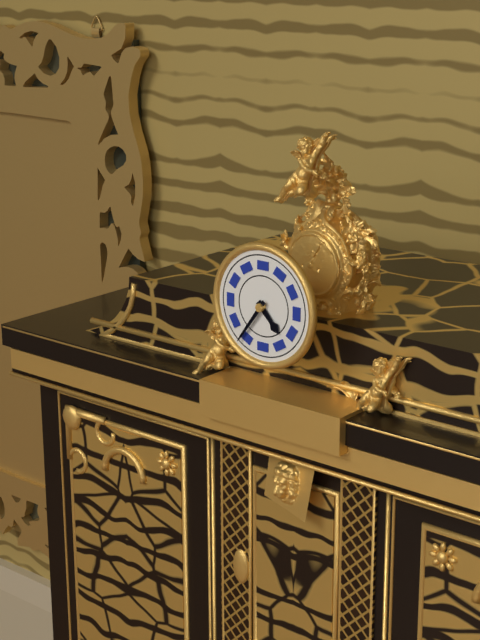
h=4 m=36
